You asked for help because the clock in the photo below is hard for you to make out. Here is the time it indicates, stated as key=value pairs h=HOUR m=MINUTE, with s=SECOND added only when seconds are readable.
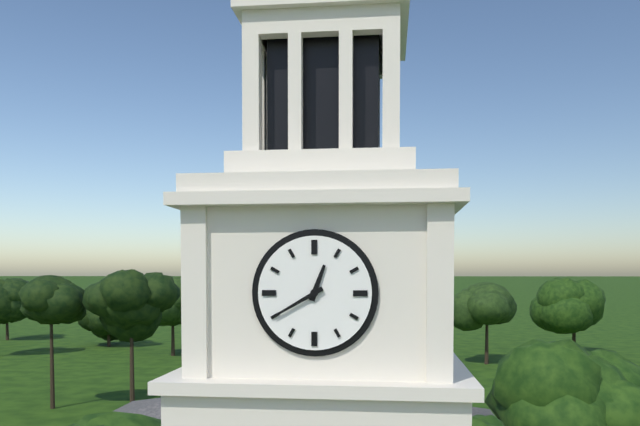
h=12 m=40
